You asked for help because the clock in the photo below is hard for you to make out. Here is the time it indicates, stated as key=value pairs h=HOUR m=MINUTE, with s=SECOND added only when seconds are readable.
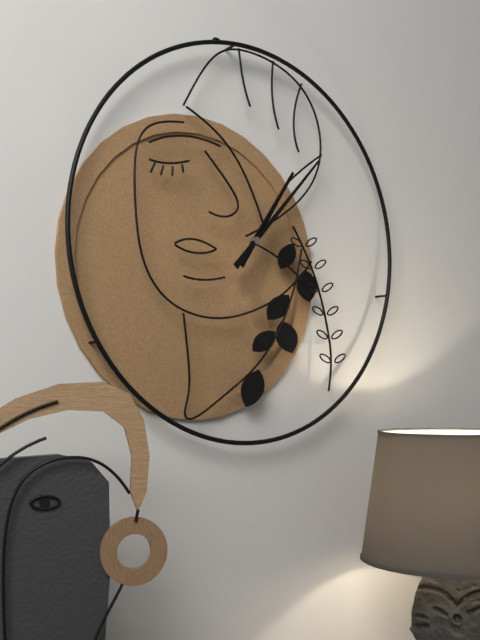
h=1 m=7
